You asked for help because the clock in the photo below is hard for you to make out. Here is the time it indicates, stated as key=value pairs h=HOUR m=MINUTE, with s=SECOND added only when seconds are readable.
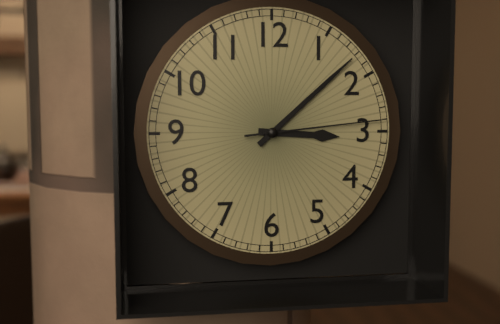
h=3 m=8 s=14
